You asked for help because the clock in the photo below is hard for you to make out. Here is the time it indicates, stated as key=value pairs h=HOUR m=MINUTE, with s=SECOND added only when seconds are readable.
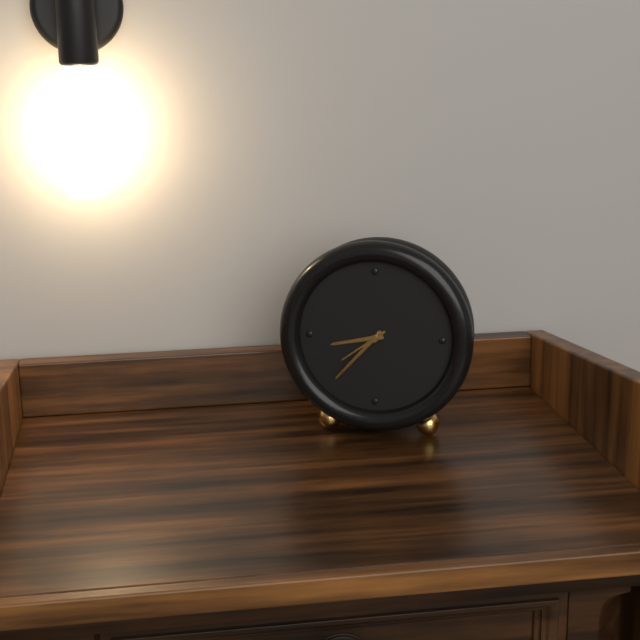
h=8 m=37 s=39
